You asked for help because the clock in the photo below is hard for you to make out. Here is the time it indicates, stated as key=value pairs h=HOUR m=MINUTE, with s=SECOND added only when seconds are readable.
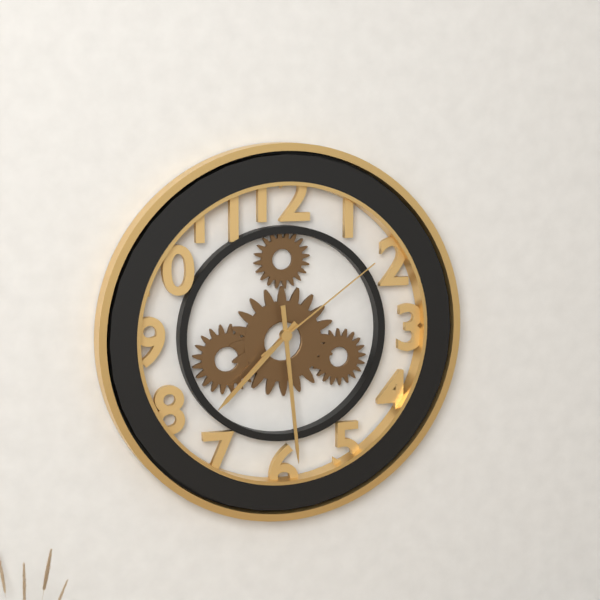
h=7 m=29 s=9
